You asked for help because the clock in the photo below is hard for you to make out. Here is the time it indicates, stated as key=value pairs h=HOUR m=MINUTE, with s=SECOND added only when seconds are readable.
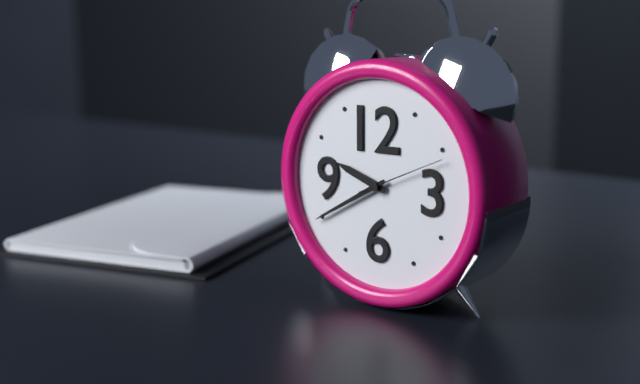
h=9 m=40 s=11
